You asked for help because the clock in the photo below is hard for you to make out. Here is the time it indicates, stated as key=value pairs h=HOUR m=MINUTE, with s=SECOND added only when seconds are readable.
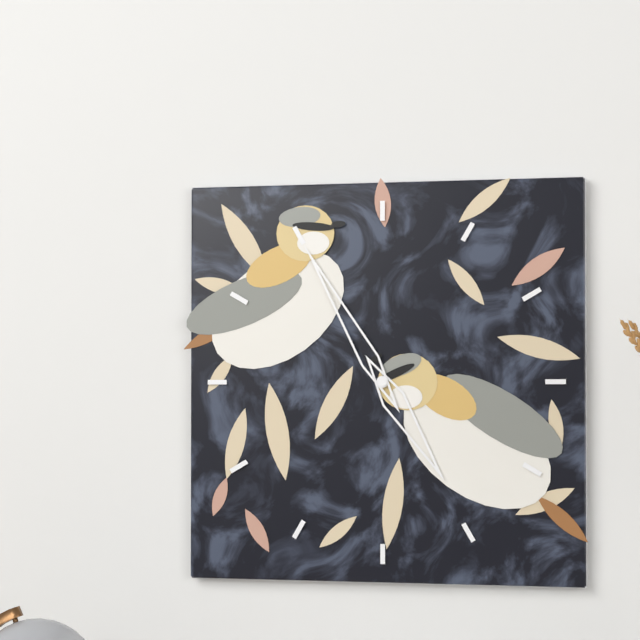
h=4 m=55
